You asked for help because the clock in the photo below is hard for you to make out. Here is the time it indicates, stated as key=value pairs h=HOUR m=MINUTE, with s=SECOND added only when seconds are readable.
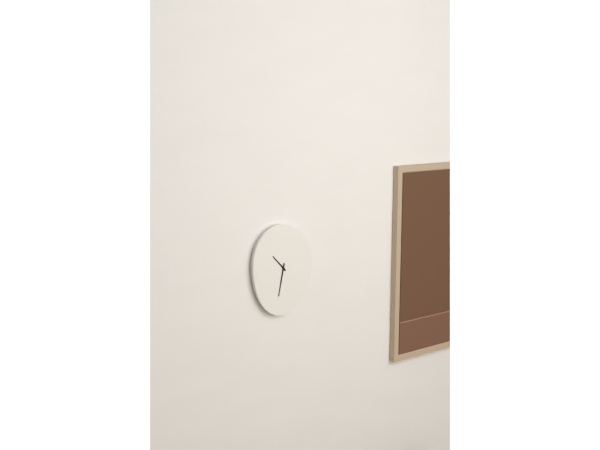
h=10 m=32
